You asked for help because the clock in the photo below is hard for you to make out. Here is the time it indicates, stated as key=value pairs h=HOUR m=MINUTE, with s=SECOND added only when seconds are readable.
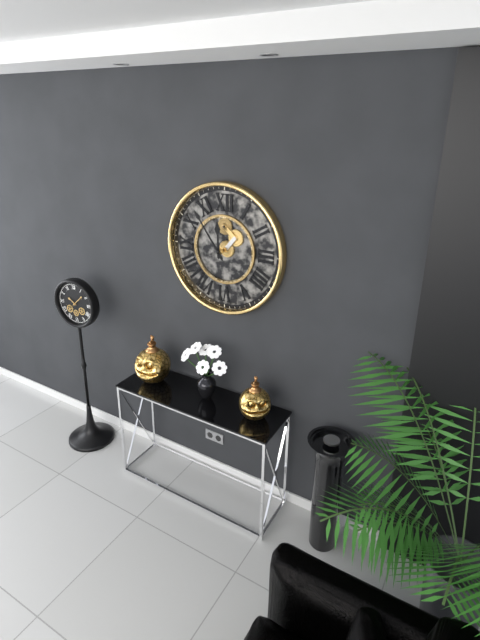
h=11 m=54
